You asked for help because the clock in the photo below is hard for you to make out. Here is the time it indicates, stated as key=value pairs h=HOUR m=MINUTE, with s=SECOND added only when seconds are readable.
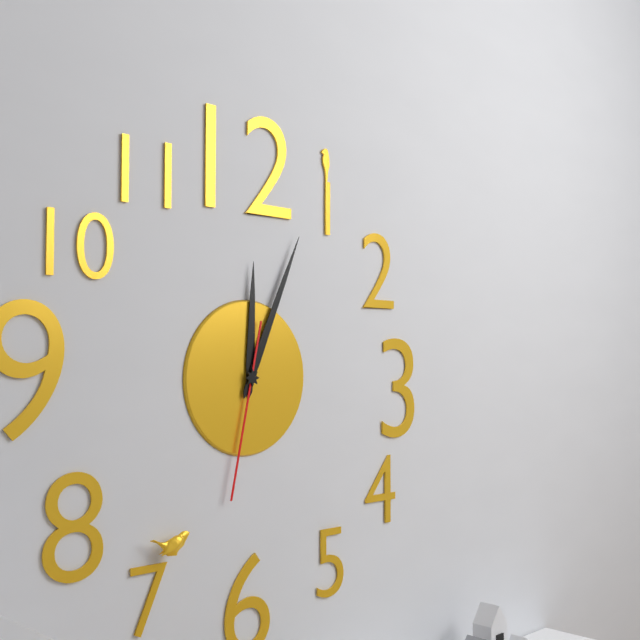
h=12 m=4 s=32
